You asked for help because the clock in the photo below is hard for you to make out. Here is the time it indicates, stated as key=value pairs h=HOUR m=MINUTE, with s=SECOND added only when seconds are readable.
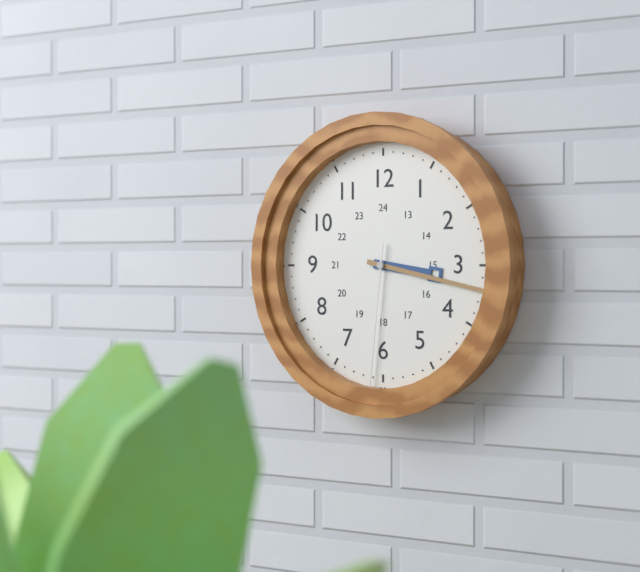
h=3 m=17 s=31
